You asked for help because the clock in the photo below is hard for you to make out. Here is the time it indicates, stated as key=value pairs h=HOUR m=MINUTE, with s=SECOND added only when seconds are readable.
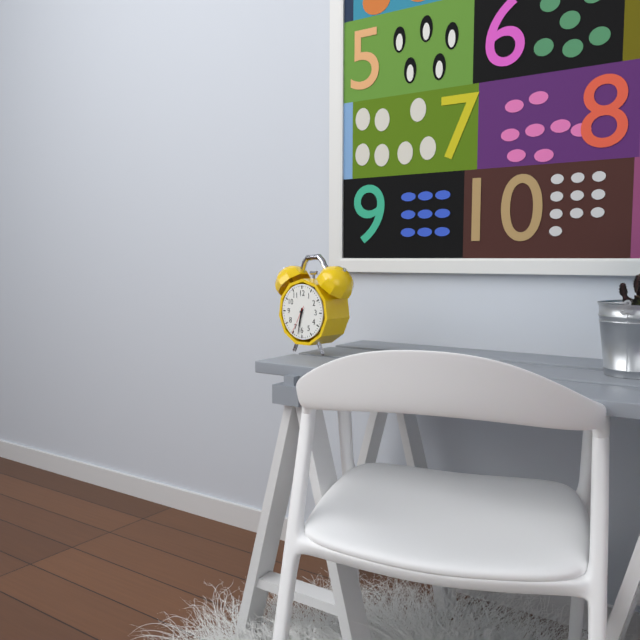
h=6 m=32
